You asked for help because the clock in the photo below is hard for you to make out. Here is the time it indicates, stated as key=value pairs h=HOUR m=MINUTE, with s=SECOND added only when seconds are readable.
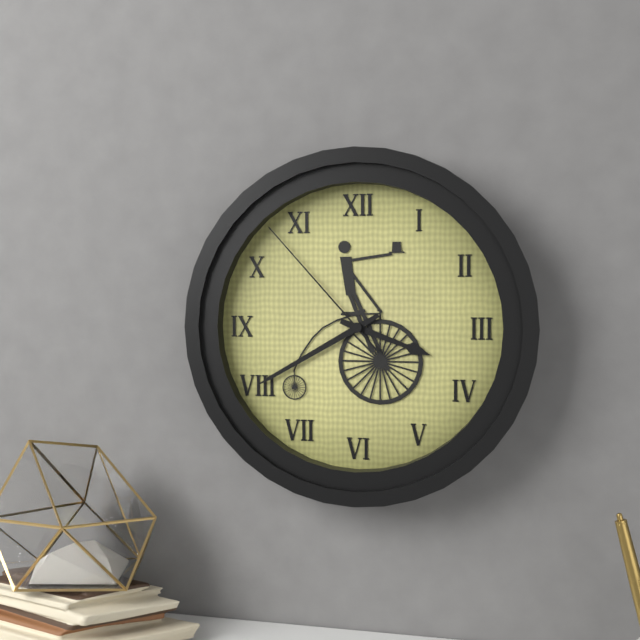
h=3 m=40 s=53
